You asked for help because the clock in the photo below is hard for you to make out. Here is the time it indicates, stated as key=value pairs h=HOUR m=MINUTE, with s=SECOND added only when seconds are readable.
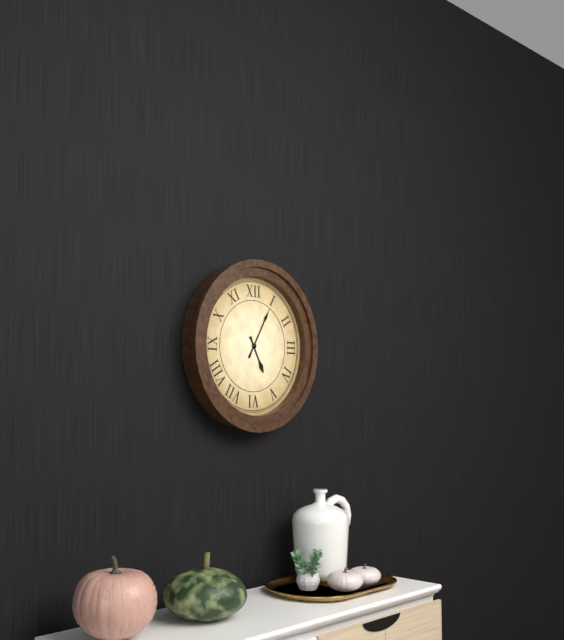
h=5 m=5
